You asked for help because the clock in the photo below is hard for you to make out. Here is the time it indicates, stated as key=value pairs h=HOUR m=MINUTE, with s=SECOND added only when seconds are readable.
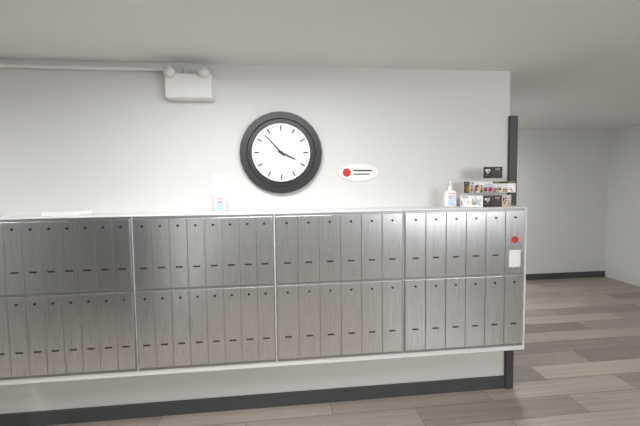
h=3 m=53
